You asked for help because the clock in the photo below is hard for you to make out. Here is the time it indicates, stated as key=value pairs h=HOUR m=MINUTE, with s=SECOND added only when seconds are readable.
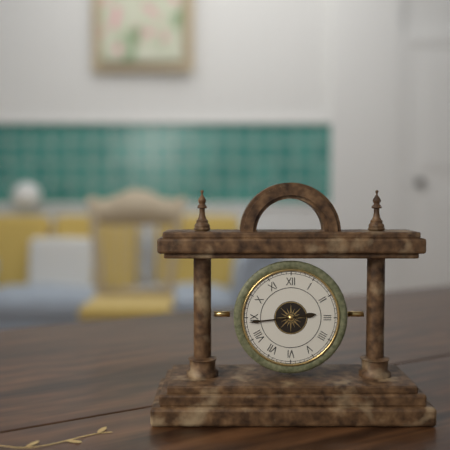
h=2 m=44
